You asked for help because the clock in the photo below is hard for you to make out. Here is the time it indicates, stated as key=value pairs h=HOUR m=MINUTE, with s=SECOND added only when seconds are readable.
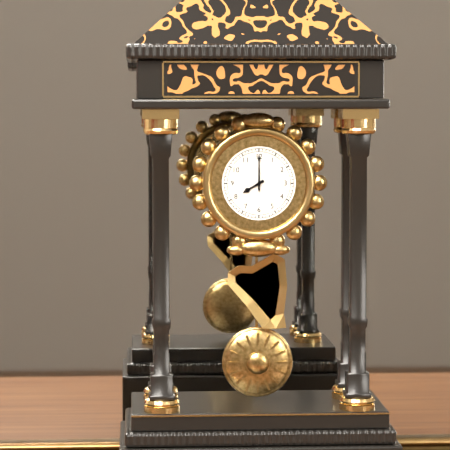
h=8 m=0
